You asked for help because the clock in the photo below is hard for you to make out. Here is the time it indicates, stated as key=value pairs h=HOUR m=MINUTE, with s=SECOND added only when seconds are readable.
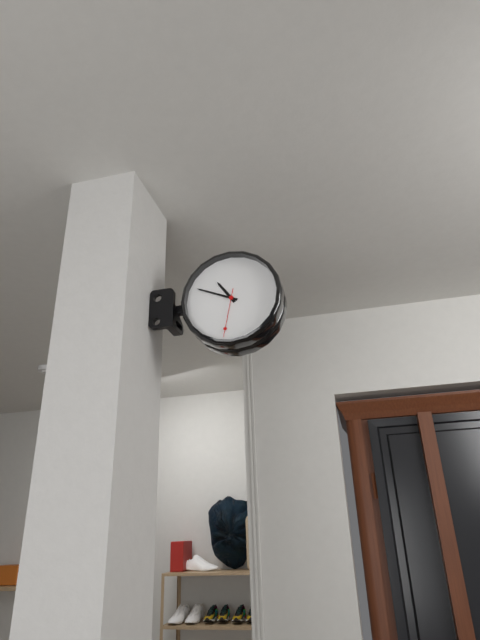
h=10 m=49
